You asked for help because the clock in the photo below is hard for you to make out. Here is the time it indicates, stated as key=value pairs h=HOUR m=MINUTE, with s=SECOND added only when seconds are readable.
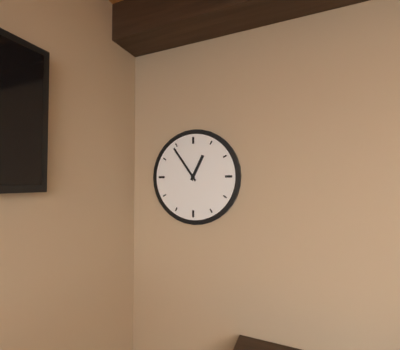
h=12 m=54
